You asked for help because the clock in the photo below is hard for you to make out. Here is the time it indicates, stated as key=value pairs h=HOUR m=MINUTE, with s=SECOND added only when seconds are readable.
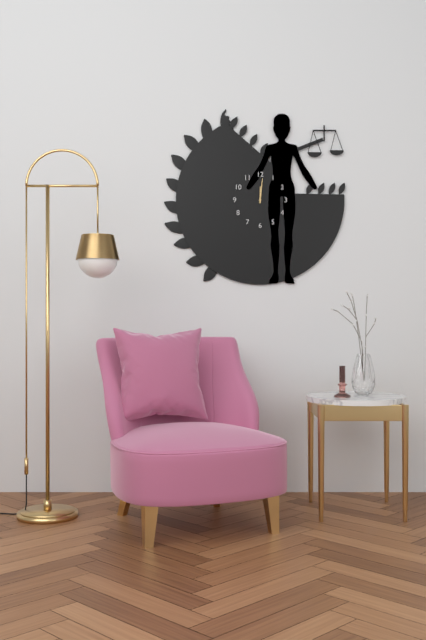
h=12 m=1
